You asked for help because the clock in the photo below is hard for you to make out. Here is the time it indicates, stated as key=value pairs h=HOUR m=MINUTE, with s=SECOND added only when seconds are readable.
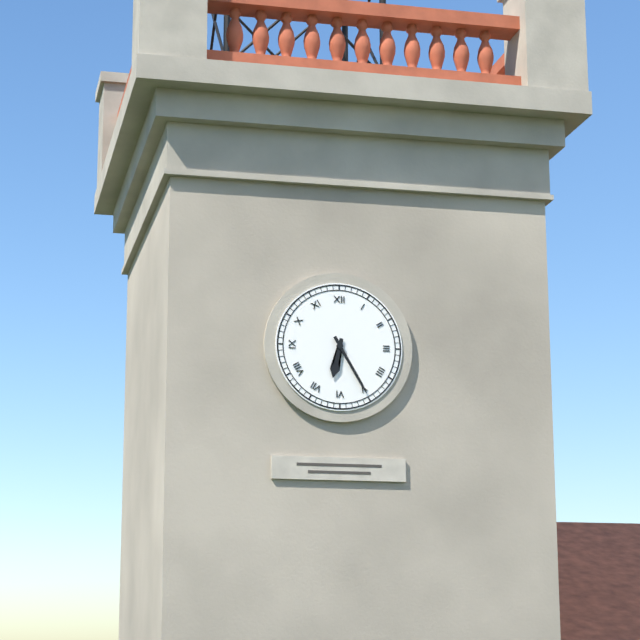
h=6 m=25
